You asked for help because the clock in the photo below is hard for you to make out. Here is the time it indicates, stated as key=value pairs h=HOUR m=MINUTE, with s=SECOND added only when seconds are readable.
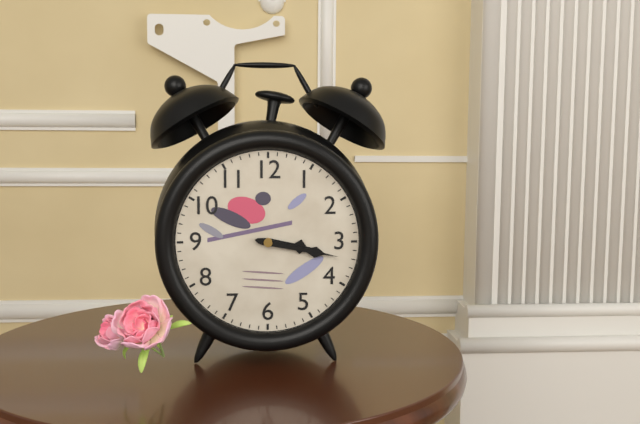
h=3 m=17
